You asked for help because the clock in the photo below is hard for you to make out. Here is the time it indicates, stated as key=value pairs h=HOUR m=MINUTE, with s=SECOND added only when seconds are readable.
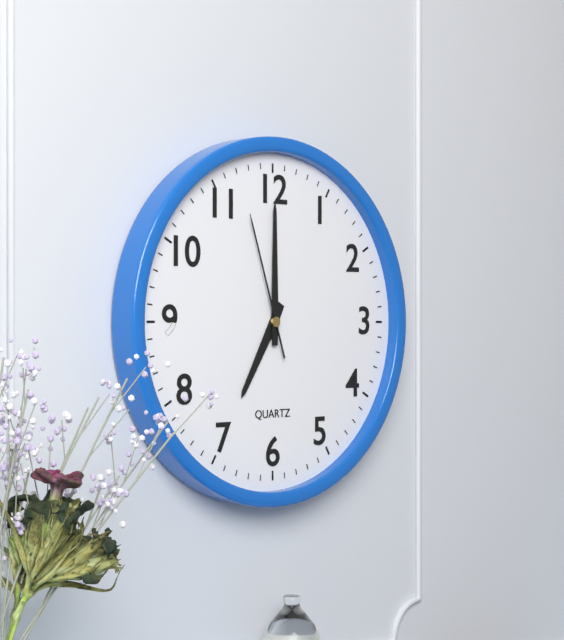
h=7 m=0 s=57
